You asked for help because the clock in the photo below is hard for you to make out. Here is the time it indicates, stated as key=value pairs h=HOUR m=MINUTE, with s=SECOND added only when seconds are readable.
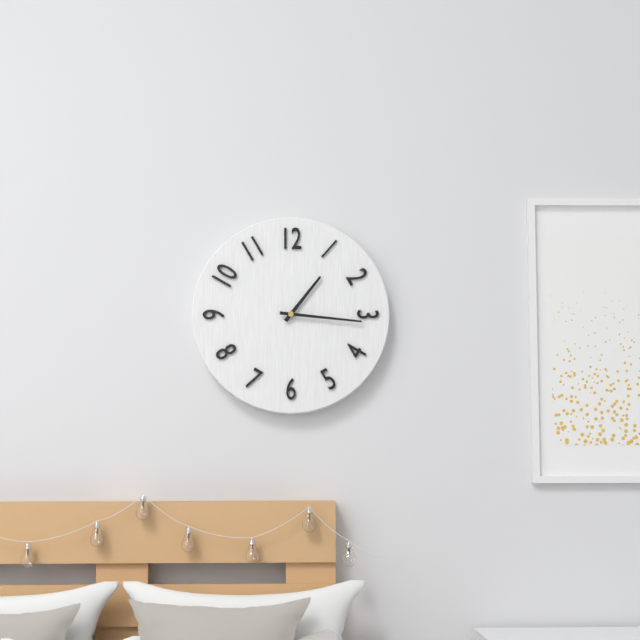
h=1 m=16
